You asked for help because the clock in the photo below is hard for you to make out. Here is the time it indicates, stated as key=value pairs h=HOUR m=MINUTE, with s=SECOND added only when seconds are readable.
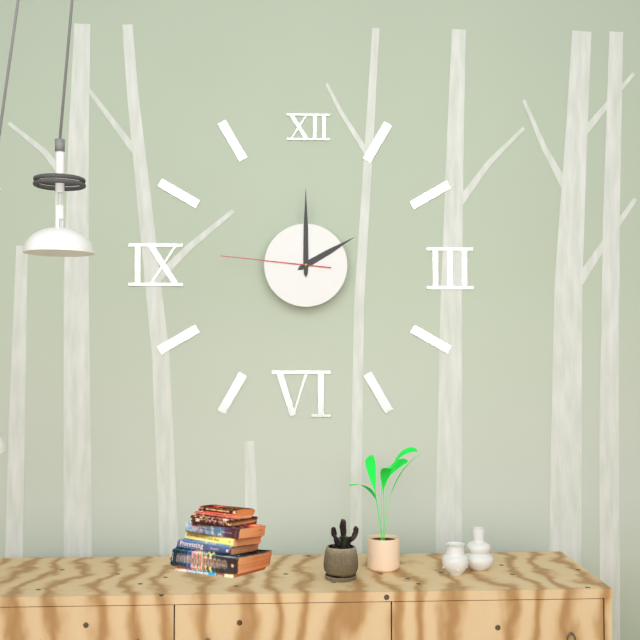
h=2 m=0 s=46
